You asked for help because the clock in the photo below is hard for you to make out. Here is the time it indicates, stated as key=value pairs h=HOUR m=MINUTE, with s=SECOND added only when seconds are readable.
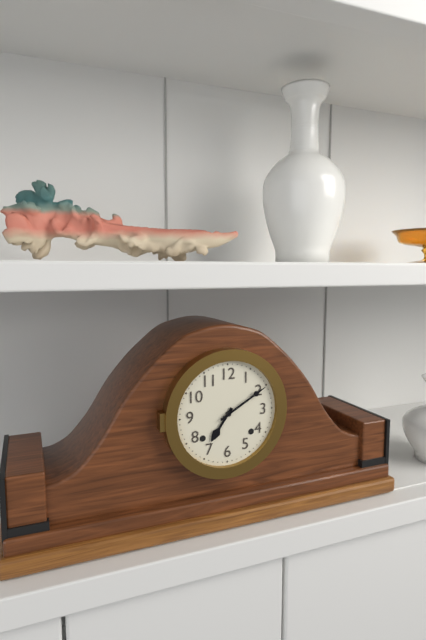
h=7 m=10
